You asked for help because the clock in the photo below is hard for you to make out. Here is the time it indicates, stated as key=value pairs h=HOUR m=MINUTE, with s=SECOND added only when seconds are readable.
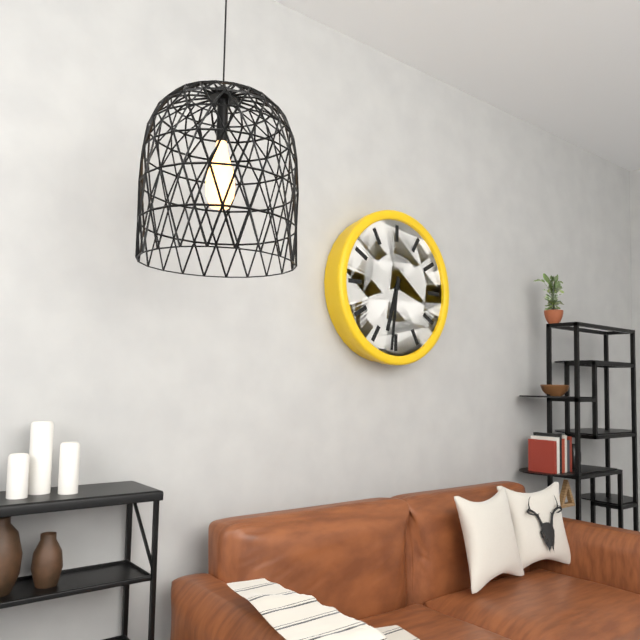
h=6 m=31
